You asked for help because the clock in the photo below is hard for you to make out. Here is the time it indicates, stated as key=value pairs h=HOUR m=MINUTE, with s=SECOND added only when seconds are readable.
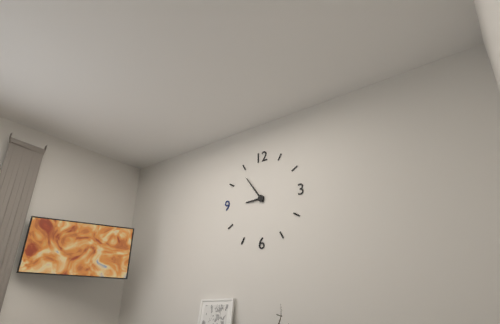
h=8 m=54
